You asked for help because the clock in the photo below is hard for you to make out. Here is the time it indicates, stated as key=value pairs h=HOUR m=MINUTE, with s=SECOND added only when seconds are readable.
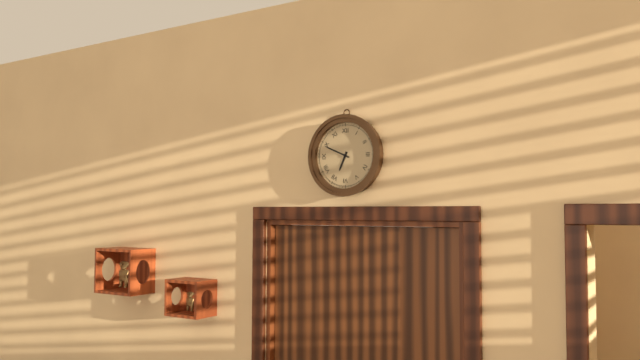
h=6 m=49
